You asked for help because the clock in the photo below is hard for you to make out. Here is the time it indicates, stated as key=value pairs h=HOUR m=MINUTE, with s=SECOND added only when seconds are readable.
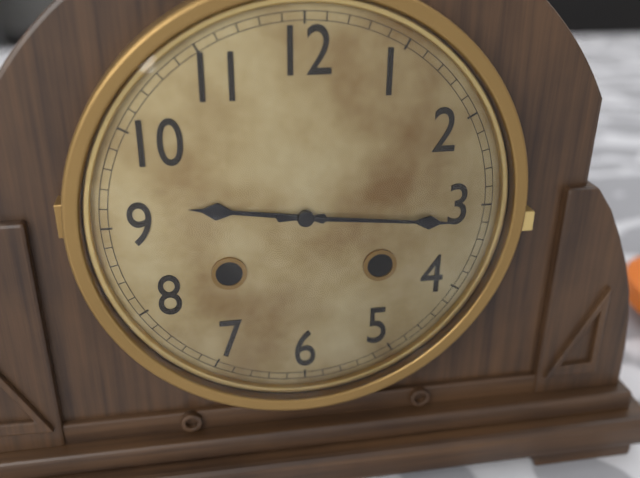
h=9 m=16
